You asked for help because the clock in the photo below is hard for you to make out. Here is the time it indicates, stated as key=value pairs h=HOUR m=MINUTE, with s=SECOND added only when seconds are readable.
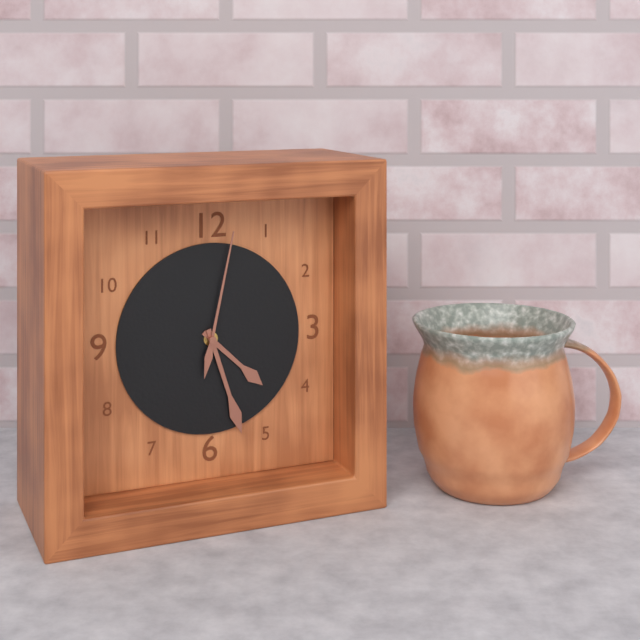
h=4 m=27 s=2
